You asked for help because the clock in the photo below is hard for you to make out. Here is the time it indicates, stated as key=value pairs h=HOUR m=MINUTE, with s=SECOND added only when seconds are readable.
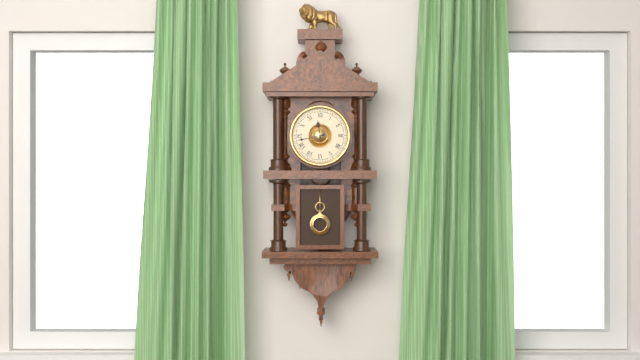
h=11 m=43
